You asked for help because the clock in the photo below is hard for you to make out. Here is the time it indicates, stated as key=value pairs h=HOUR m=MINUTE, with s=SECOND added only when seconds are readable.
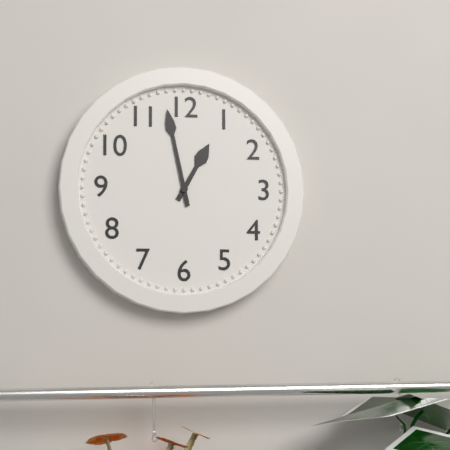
h=12 m=58
